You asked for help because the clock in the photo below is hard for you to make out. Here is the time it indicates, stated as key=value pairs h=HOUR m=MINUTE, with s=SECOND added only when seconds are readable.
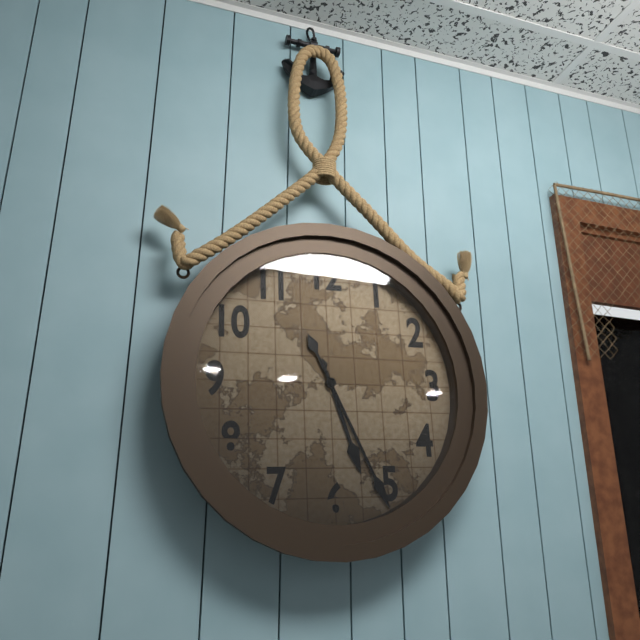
h=5 m=26
